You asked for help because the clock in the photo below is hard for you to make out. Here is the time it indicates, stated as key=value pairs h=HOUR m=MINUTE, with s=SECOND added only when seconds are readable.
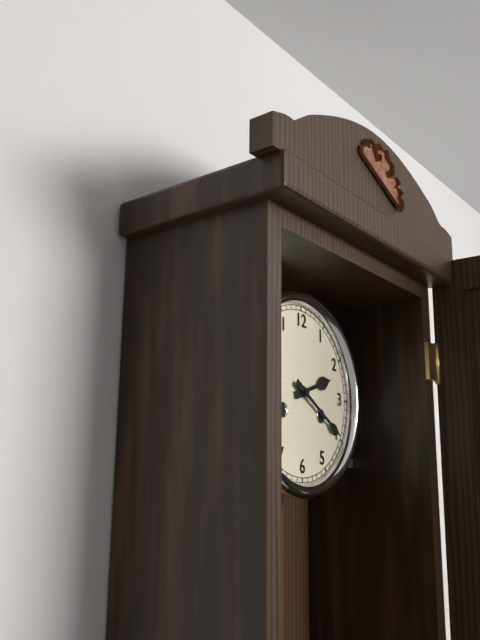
h=2 m=20
